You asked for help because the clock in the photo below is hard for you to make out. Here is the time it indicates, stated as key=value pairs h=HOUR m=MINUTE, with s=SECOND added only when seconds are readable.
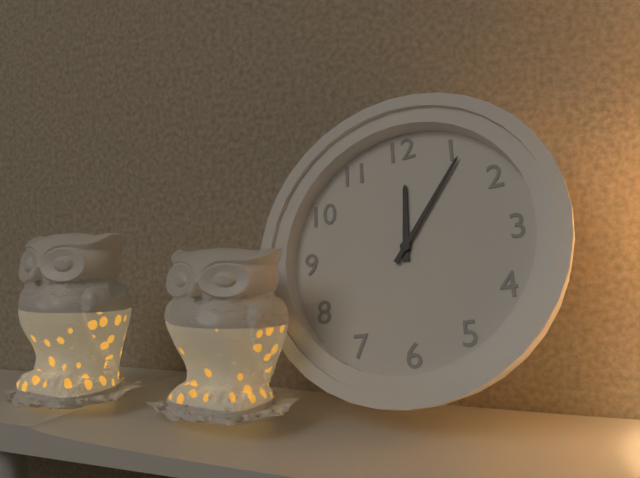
h=12 m=6
